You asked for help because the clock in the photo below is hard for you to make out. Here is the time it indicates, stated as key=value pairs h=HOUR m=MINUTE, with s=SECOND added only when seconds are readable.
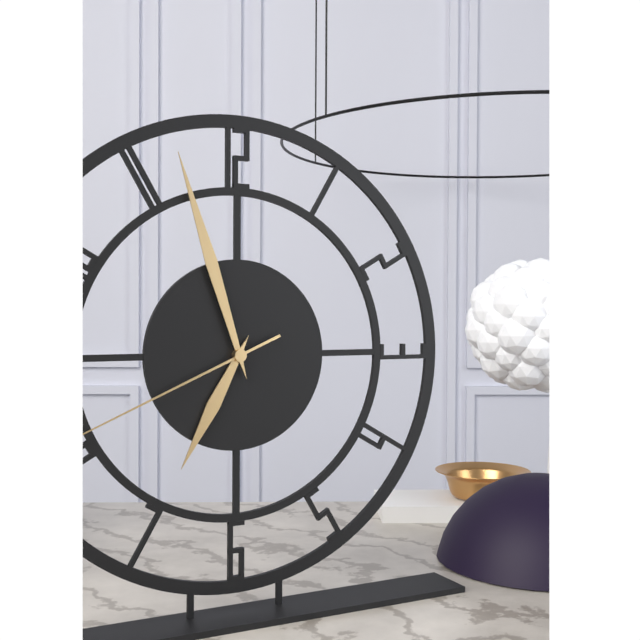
h=6 m=57 s=41
